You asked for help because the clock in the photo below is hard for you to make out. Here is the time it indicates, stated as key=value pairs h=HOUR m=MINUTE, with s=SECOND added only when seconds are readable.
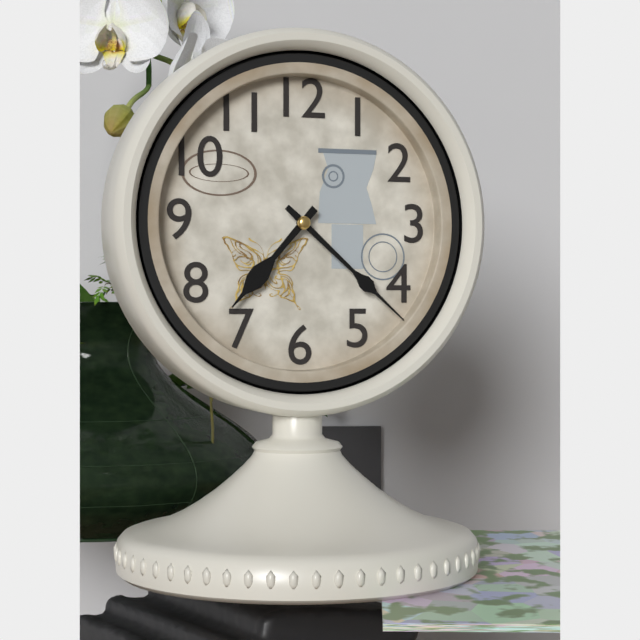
h=7 m=22
